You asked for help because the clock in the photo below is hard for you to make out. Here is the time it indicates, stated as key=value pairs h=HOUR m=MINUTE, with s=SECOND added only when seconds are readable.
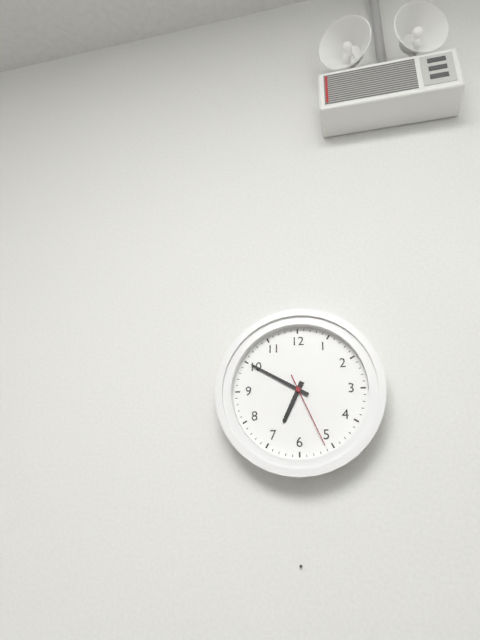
h=6 m=50 s=26
